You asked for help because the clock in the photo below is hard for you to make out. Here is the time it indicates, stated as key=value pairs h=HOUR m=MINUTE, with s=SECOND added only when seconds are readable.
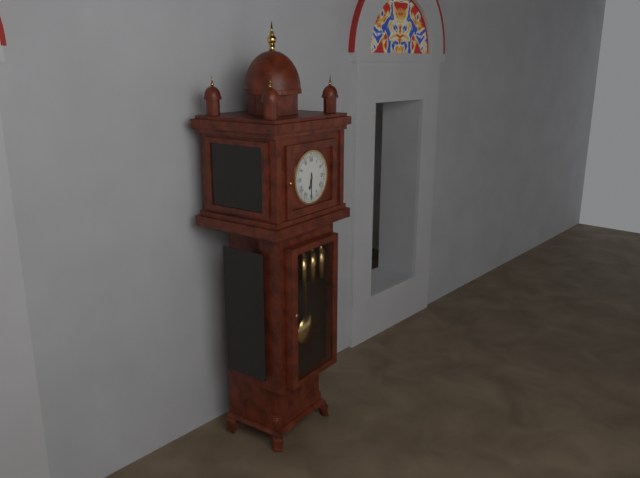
h=6 m=30
